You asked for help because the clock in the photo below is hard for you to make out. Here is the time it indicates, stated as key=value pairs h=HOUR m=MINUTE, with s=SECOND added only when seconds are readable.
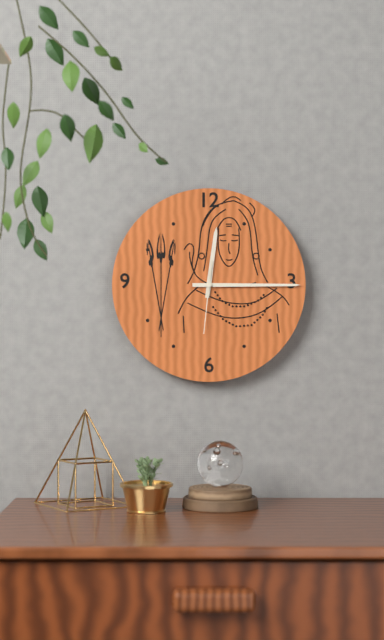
h=12 m=15 s=31
